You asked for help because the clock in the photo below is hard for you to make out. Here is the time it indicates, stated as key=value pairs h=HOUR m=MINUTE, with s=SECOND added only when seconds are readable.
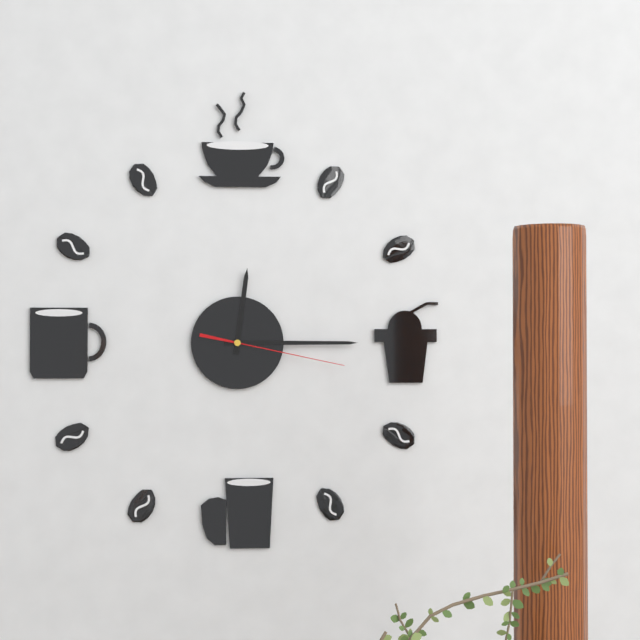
h=12 m=15 s=17
